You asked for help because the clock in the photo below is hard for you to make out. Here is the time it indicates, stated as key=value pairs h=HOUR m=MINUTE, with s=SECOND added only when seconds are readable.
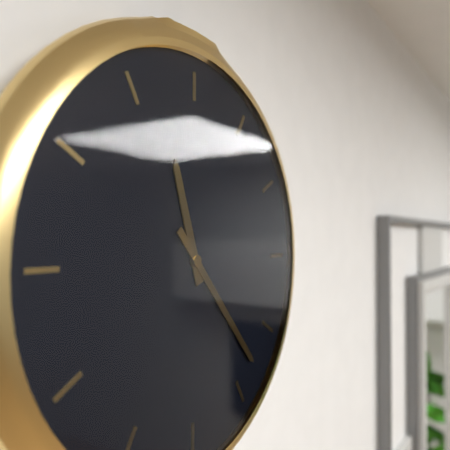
h=11 m=23
